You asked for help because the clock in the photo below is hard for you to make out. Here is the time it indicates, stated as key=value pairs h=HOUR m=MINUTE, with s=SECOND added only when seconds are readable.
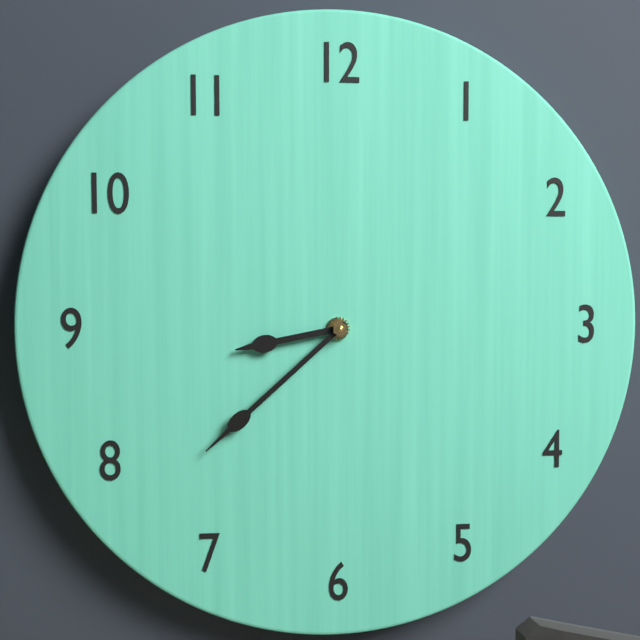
h=8 m=38
